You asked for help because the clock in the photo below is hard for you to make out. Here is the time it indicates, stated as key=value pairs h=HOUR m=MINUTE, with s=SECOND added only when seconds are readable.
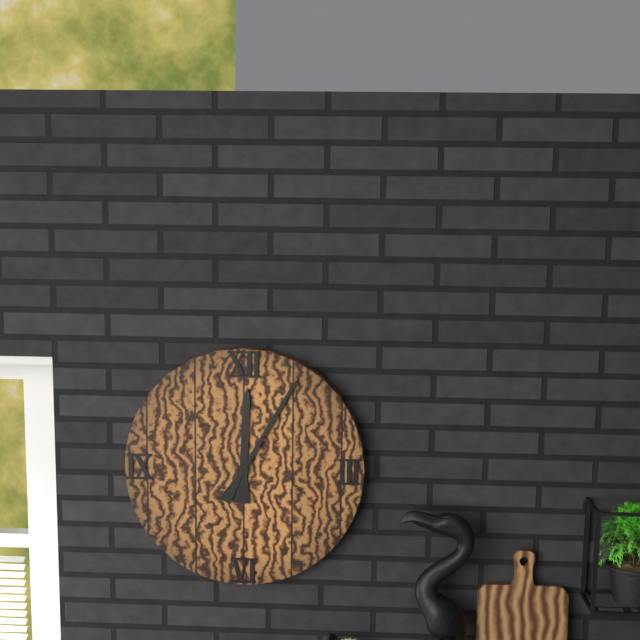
h=12 m=5
